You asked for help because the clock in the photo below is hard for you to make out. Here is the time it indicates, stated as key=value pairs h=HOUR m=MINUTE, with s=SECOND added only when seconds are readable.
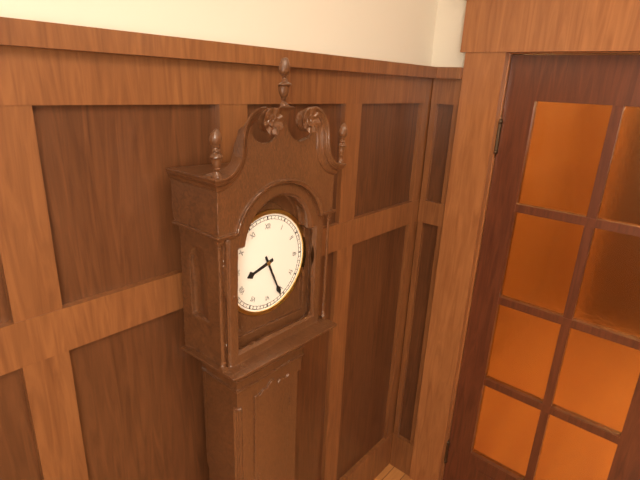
h=8 m=26
